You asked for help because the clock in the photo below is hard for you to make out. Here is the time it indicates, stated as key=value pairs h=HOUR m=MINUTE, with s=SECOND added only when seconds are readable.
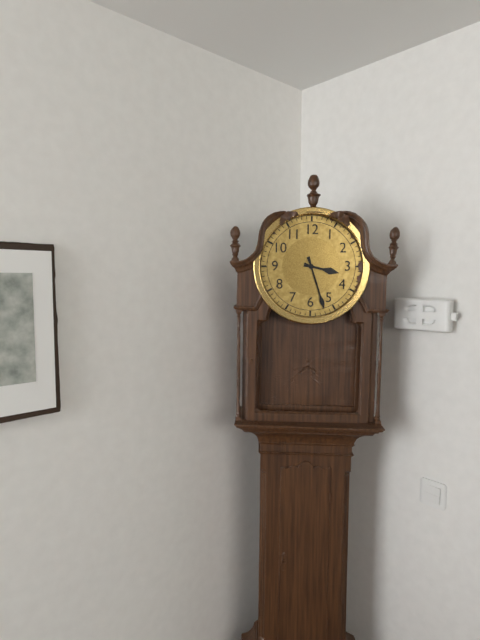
h=3 m=27
